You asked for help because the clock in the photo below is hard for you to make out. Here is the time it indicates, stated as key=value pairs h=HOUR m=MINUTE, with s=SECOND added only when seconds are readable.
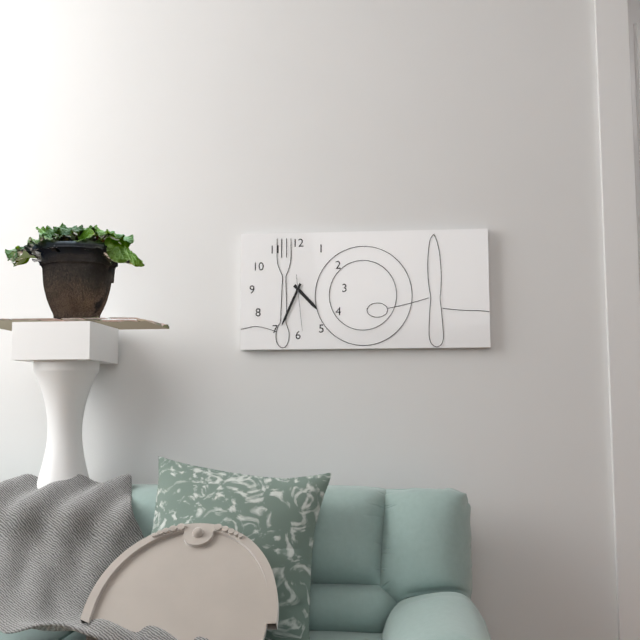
h=4 m=34 s=29
